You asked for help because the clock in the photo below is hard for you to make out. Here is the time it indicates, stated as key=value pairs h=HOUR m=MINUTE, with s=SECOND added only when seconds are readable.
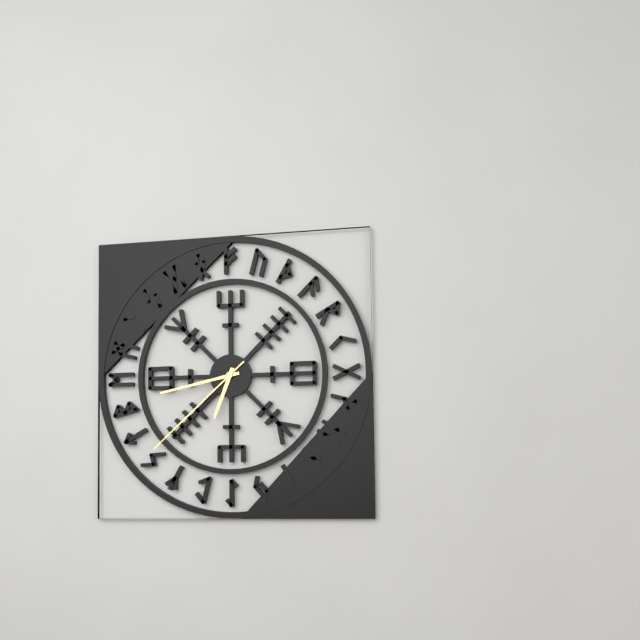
h=6 m=43 s=38
